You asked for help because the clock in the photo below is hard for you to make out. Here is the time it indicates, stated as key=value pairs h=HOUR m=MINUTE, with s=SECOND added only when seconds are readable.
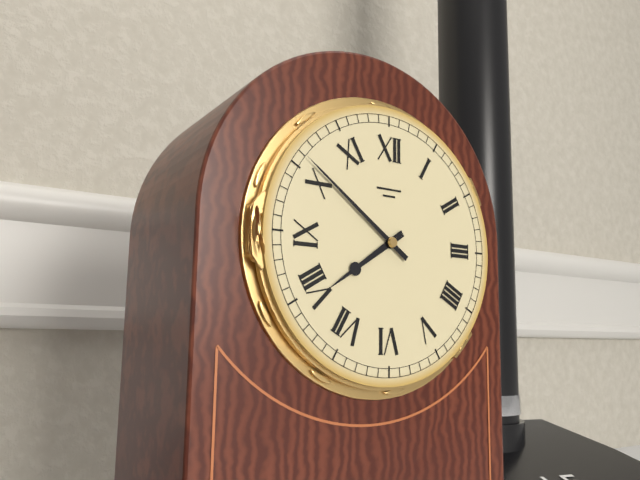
h=7 m=51
